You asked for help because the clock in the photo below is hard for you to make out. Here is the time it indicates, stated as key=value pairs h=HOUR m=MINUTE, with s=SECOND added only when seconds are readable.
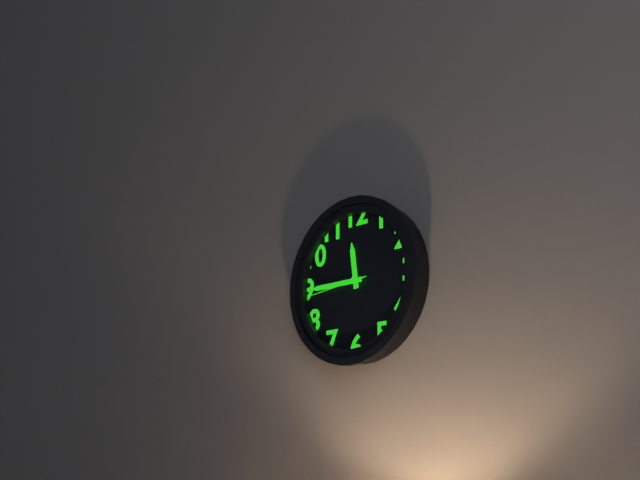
h=11 m=45 s=44
